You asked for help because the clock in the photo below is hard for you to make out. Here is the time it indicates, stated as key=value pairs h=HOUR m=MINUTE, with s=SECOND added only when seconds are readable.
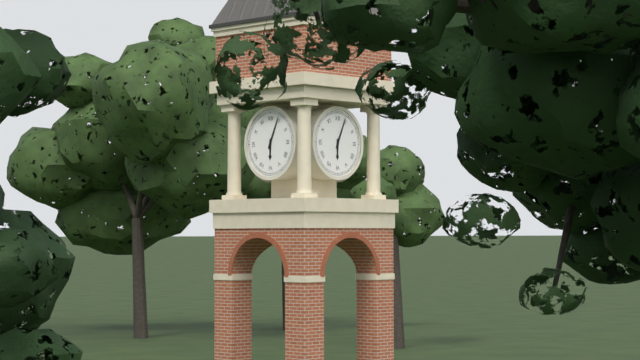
h=6 m=4
